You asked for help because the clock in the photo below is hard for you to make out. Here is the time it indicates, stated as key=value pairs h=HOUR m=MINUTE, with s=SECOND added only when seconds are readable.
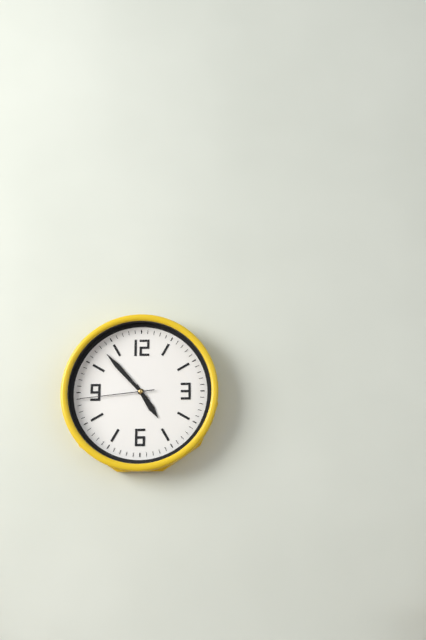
h=4 m=53 s=44
